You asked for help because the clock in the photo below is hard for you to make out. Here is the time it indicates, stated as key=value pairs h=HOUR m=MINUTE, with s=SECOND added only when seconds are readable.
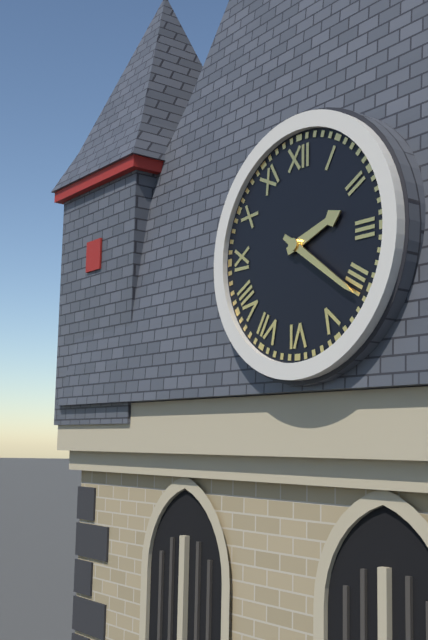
h=2 m=21
